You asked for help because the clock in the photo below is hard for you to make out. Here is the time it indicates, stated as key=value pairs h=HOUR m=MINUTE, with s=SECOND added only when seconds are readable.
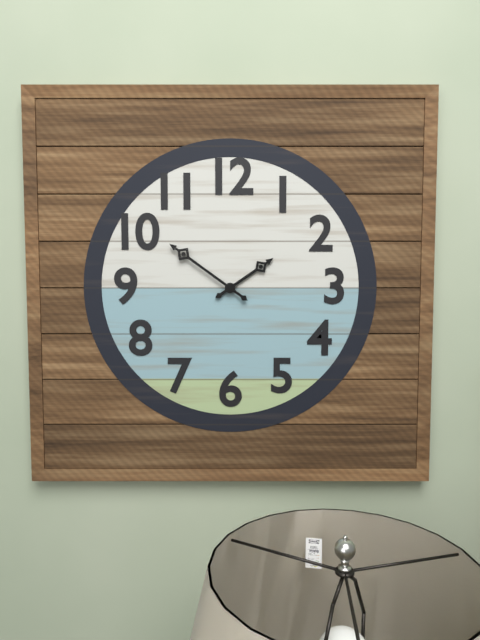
h=1 m=51
